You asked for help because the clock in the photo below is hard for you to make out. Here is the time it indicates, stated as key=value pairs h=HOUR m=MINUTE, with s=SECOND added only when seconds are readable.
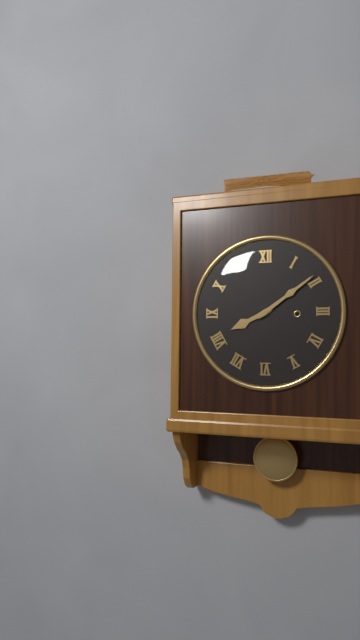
h=8 m=9
